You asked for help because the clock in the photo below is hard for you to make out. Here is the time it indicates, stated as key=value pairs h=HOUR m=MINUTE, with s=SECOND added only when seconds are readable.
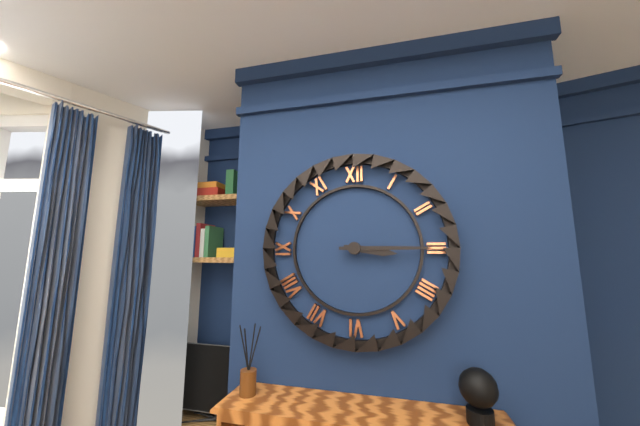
h=3 m=15
